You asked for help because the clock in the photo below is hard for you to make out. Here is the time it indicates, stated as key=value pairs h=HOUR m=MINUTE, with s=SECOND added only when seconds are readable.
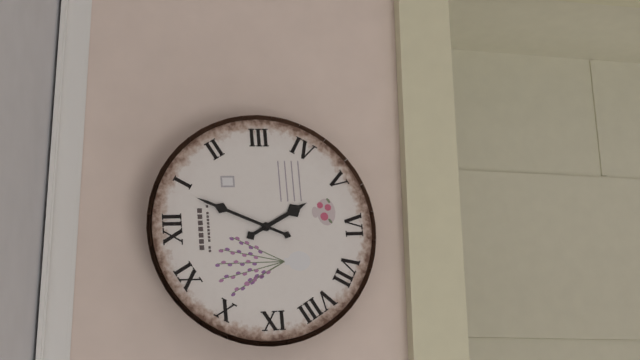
h=5 m=4
